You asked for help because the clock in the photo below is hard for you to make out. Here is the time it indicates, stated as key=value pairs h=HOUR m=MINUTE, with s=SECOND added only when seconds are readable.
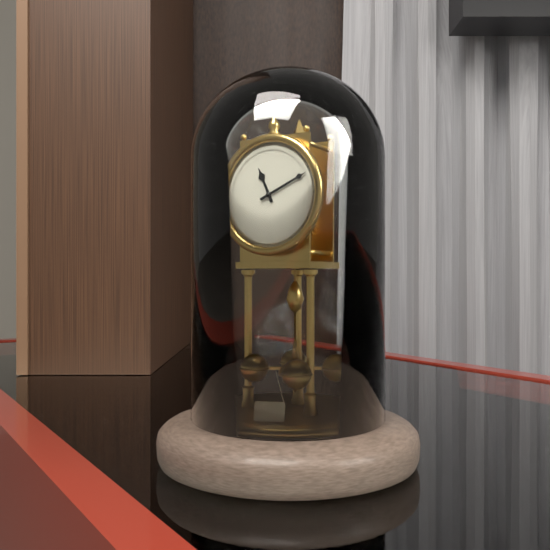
h=11 m=11
